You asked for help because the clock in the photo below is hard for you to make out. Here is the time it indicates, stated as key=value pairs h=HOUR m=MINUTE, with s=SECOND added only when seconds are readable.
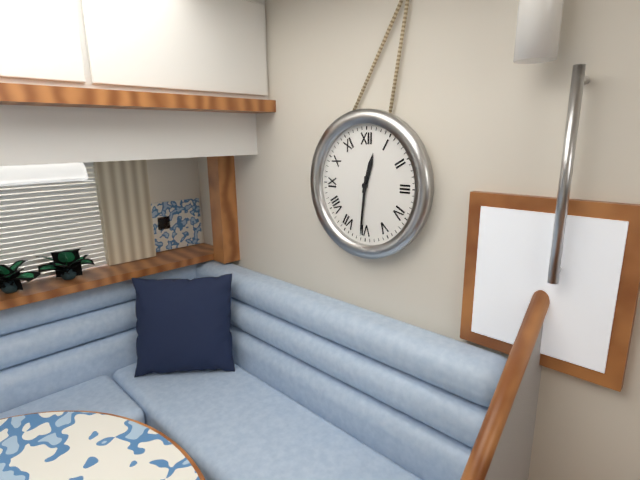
h=12 m=31
